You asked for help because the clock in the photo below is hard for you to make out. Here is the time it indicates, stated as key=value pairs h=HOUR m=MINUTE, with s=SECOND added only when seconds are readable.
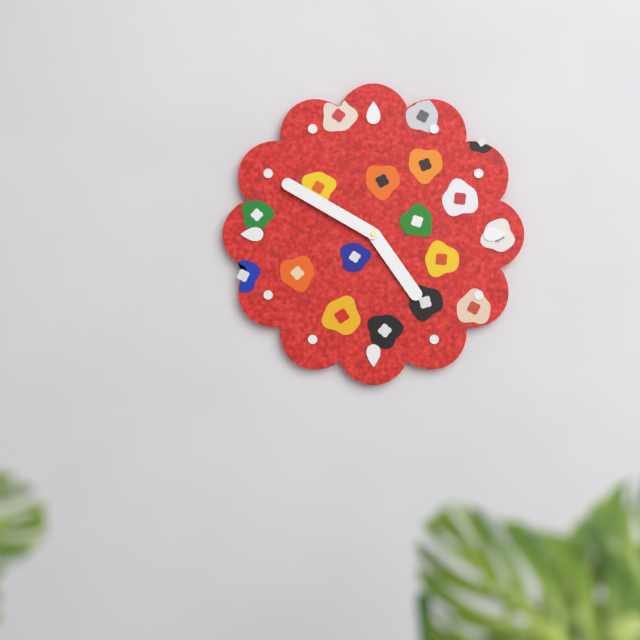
h=4 m=50
